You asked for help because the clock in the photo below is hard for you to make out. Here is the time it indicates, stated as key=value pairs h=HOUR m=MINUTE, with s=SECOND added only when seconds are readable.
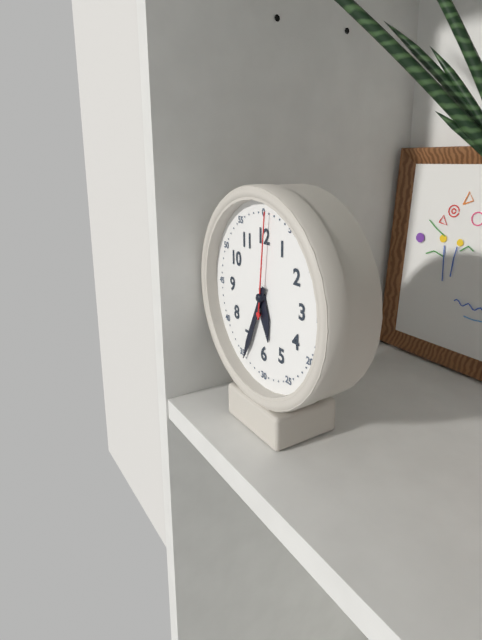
h=5 m=34 s=1
